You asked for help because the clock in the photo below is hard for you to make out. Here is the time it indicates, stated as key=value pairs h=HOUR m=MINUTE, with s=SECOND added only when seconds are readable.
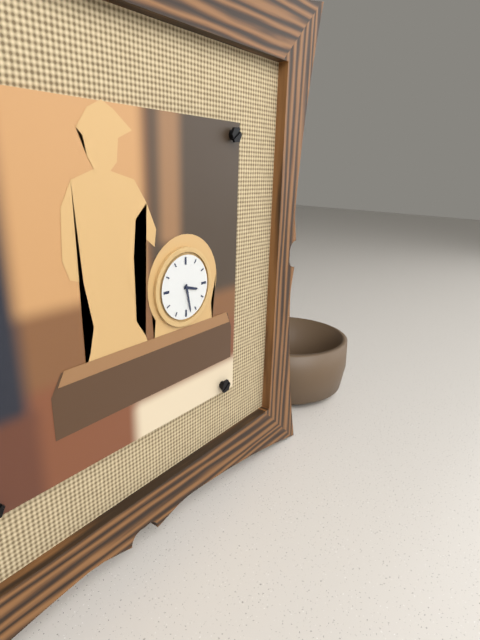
h=3 m=28
